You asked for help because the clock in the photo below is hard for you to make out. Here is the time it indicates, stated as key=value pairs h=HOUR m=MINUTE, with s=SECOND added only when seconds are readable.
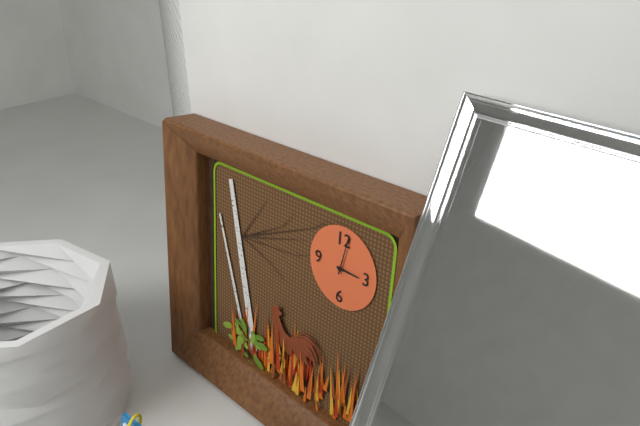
h=3 m=2
